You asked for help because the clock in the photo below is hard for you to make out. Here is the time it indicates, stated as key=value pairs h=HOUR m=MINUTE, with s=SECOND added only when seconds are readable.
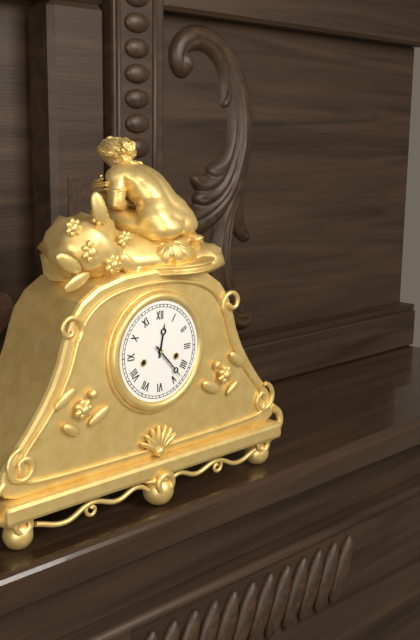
h=12 m=23
